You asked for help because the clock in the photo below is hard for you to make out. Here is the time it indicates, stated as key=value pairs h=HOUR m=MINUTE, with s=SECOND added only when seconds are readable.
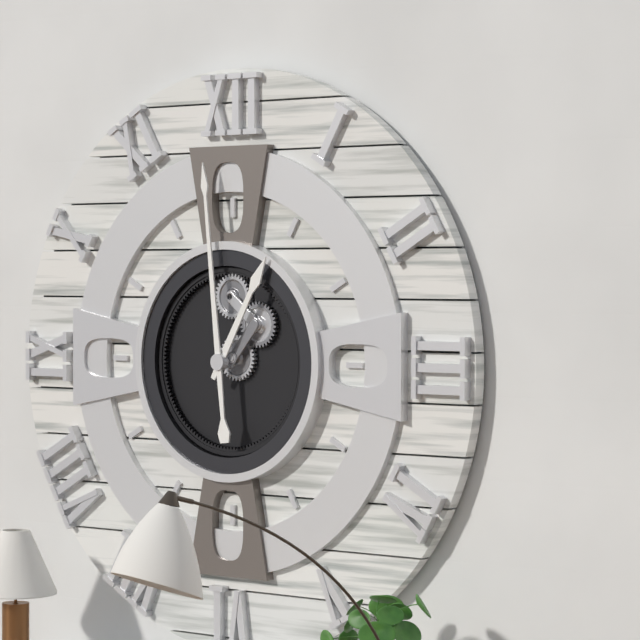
h=12 m=59
